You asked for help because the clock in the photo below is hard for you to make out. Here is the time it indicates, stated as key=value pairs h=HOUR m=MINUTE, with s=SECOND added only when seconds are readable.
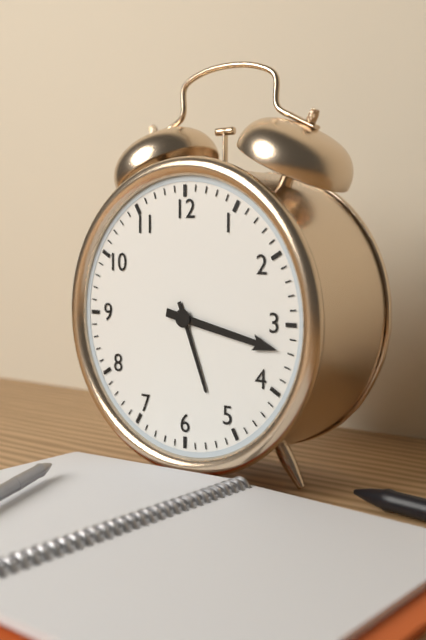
h=5 m=17
